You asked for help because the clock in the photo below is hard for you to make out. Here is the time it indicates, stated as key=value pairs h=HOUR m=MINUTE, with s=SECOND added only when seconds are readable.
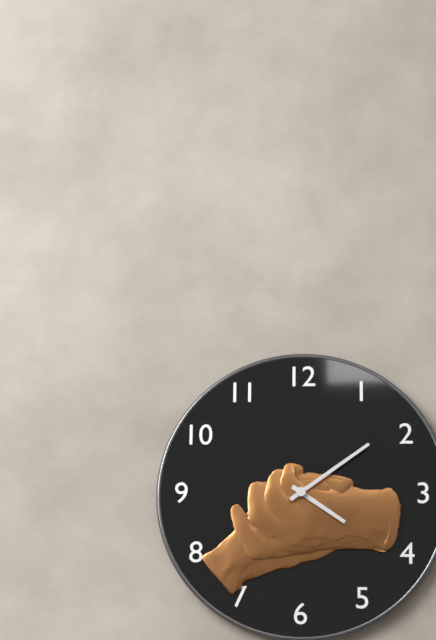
h=4 m=9
